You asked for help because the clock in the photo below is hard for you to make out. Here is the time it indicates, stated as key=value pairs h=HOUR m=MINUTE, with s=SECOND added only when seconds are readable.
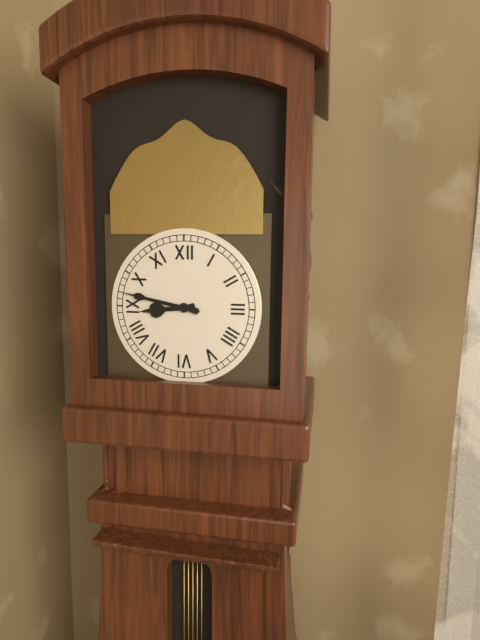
h=8 m=47
